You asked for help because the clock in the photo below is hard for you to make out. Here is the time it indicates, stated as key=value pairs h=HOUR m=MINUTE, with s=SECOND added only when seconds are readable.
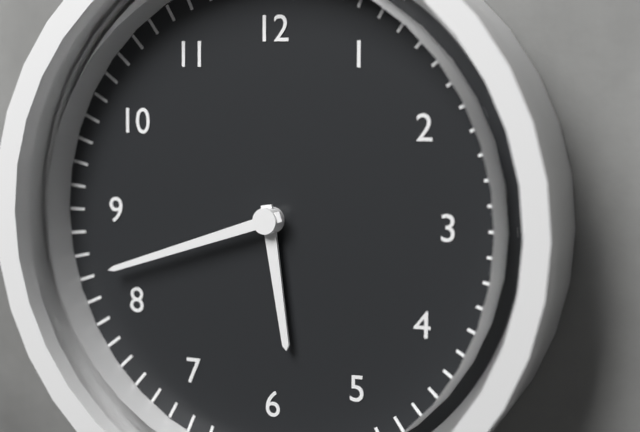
h=5 m=42
